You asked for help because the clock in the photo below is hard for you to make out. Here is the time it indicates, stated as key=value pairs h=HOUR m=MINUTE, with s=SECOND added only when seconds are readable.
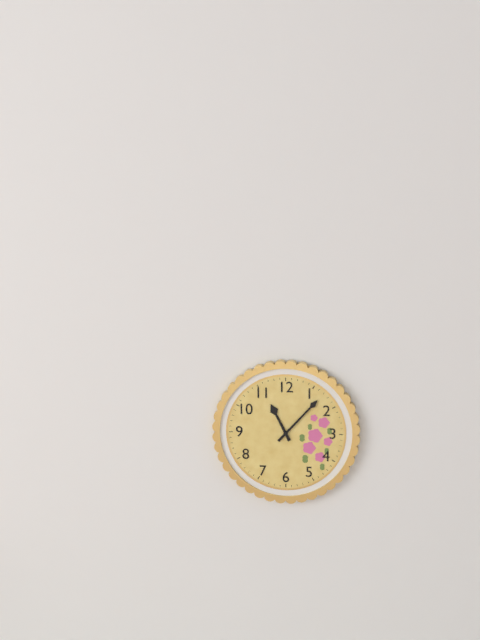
h=11 m=7
